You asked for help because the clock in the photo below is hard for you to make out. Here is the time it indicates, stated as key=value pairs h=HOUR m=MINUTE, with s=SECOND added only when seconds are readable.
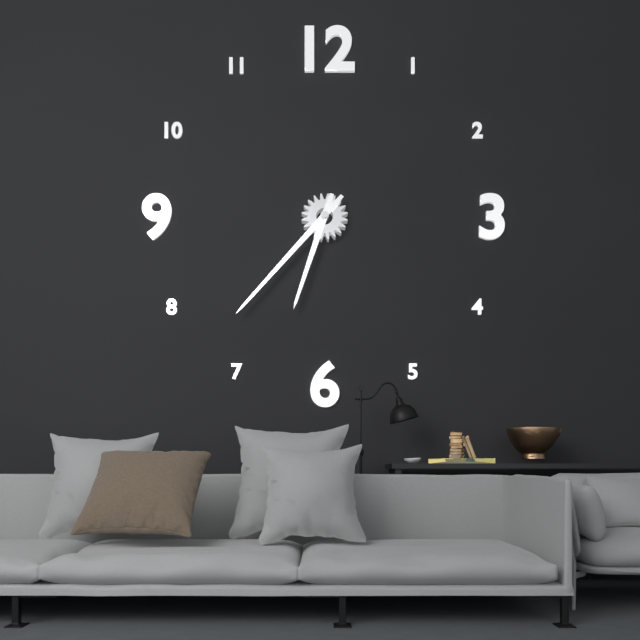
h=6 m=37
